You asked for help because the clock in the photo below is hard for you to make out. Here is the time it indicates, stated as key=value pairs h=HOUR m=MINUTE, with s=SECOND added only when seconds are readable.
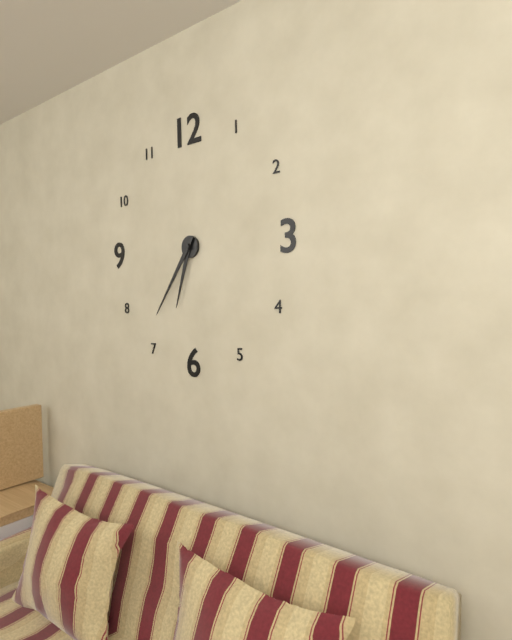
h=6 m=36
